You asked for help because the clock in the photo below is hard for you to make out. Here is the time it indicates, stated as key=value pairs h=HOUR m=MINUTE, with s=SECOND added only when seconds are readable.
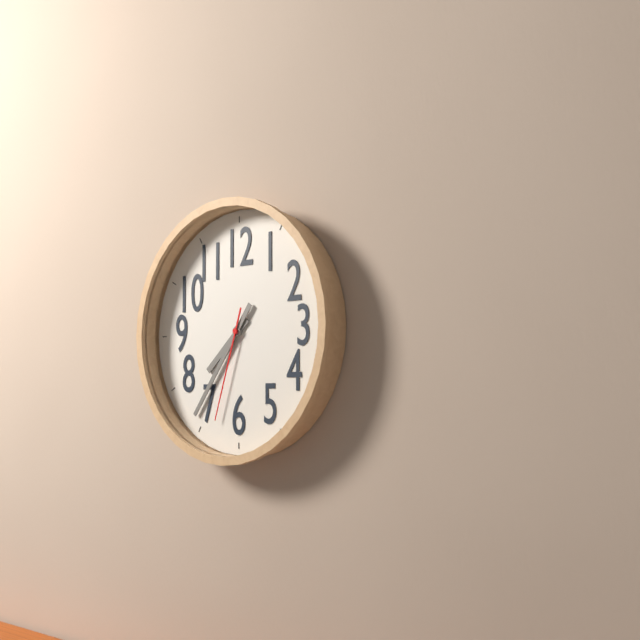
h=7 m=36 s=33
